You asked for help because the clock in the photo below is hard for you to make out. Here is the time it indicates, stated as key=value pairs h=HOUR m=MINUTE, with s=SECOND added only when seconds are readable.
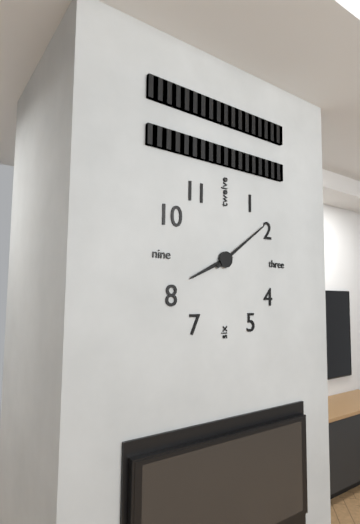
h=8 m=9
